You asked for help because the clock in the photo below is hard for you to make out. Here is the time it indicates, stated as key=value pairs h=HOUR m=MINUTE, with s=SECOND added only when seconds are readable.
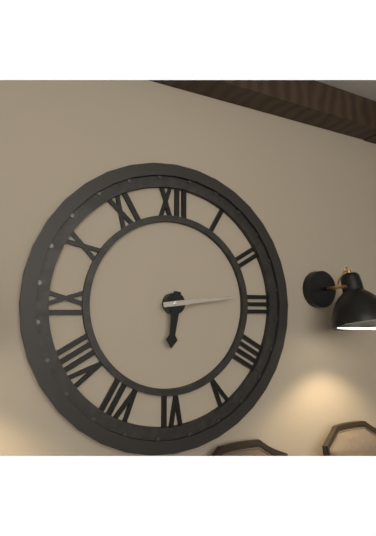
h=6 m=14
